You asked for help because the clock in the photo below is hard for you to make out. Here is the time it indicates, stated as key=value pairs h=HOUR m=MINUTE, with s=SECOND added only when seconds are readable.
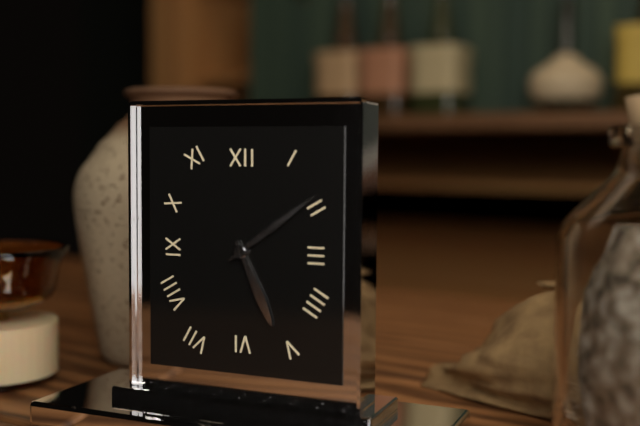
h=5 m=9
